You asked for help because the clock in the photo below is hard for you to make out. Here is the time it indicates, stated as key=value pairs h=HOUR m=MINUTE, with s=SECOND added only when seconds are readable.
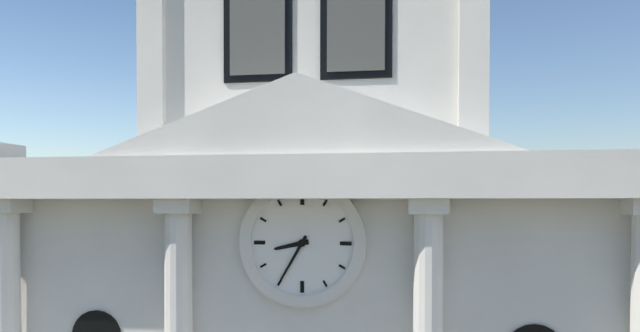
h=8 m=35
